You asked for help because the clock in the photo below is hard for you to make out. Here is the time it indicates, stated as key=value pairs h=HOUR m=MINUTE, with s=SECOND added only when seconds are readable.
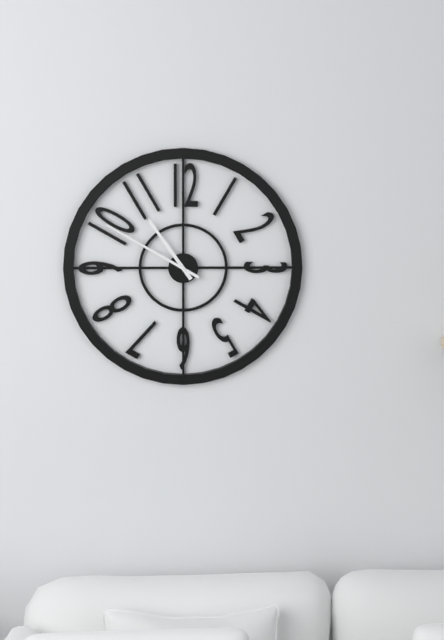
h=10 m=50
